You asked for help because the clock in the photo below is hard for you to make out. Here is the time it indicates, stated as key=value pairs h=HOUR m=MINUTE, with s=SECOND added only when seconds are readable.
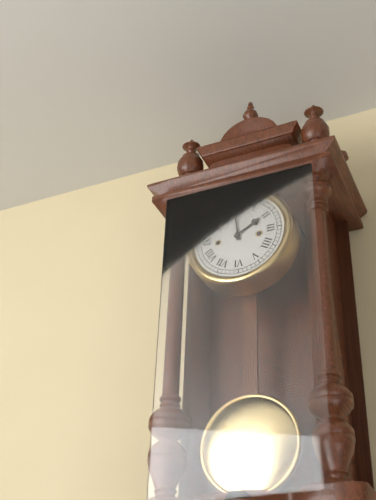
h=1 m=59
